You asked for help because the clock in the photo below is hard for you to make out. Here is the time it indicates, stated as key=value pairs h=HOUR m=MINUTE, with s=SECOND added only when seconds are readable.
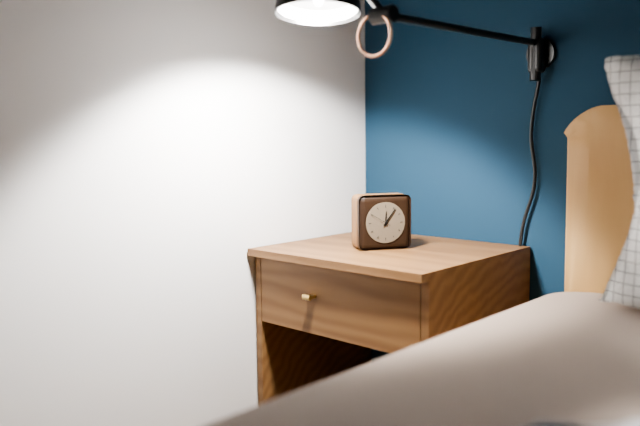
h=12 m=6
